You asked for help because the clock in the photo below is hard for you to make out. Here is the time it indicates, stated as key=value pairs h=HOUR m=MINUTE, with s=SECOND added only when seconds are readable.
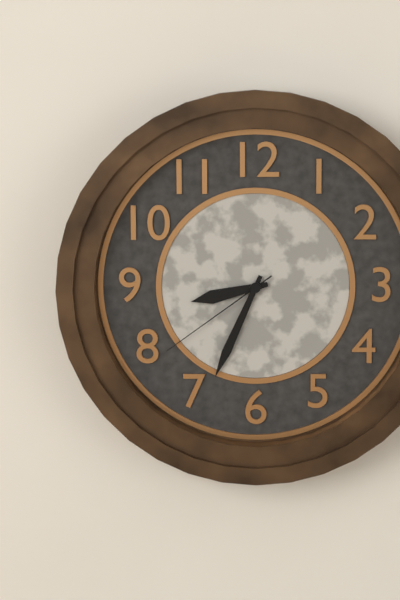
h=8 m=34 s=39
